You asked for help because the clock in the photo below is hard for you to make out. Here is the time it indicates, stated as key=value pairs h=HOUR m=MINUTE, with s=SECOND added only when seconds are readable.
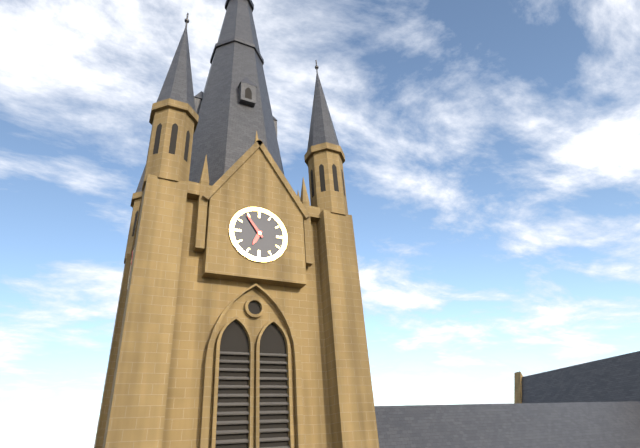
h=6 m=54
